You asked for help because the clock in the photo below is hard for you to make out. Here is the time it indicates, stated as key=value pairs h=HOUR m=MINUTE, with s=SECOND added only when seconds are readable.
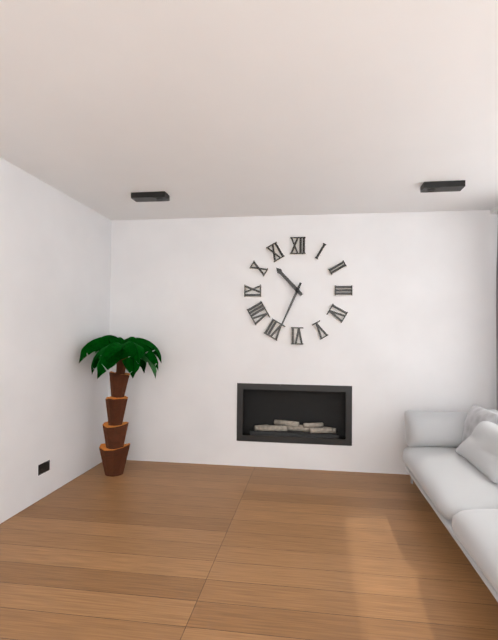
h=10 m=34
